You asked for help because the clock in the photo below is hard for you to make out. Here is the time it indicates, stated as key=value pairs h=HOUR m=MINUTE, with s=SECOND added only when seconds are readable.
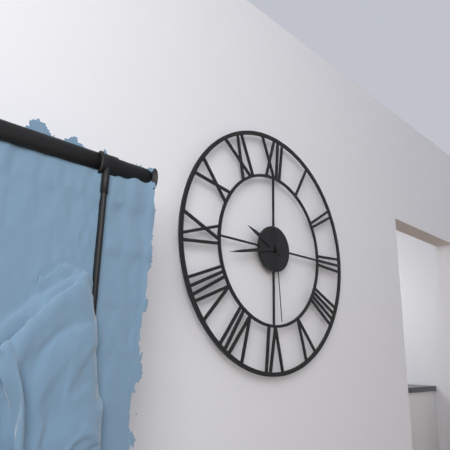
h=9 m=43 s=29
